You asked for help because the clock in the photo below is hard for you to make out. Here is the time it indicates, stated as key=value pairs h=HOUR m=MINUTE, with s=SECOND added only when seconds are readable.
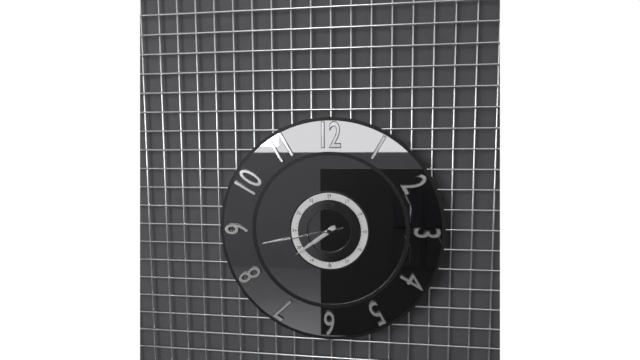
h=7 m=39 s=43
